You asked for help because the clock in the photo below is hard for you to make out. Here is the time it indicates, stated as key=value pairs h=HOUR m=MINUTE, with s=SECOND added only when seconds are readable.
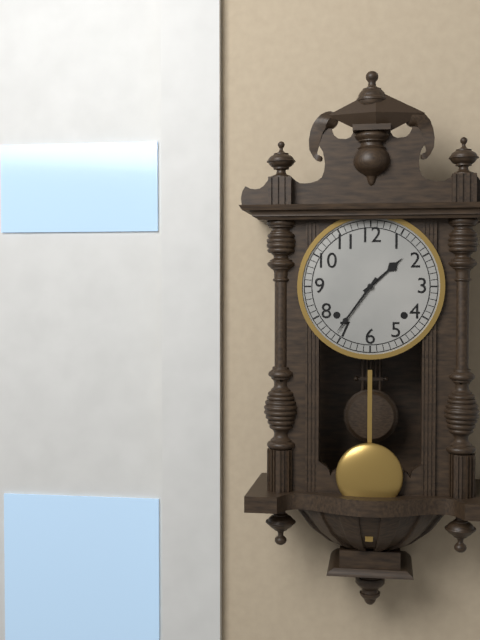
h=1 m=36
